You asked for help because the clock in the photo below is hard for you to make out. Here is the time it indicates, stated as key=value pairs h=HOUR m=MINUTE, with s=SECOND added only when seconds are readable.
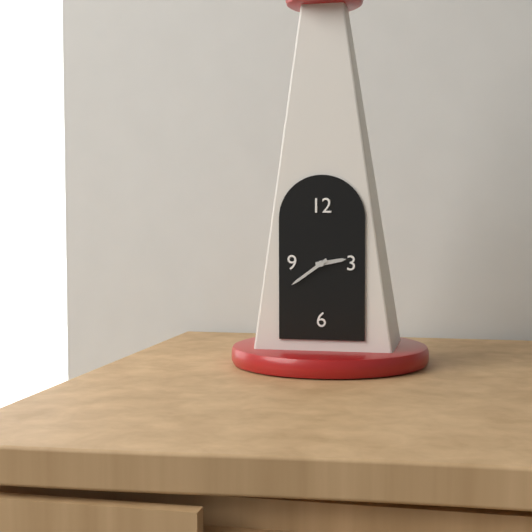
h=2 m=39
